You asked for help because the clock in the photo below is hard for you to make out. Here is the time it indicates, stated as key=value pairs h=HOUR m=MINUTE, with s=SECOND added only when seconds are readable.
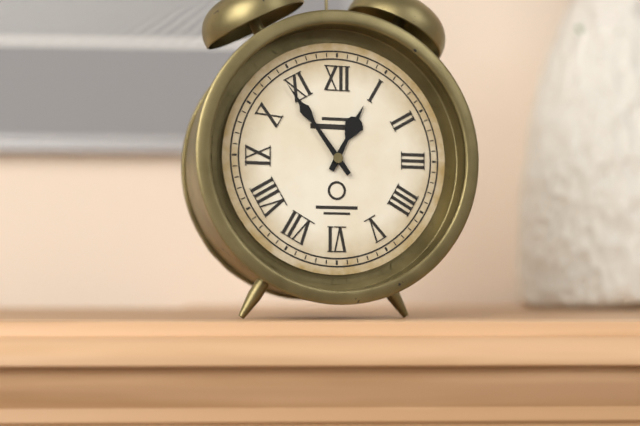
h=12 m=54
